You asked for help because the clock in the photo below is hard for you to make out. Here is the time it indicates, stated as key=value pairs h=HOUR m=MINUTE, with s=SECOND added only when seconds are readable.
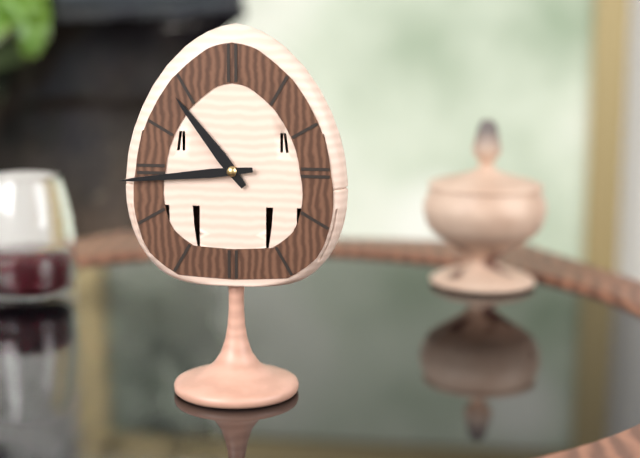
h=10 m=44
